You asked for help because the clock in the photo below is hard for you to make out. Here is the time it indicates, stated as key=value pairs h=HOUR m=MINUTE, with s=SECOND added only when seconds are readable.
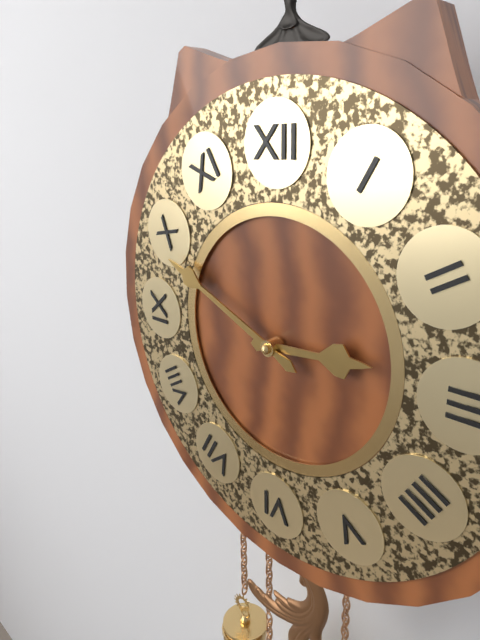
h=2 m=49
